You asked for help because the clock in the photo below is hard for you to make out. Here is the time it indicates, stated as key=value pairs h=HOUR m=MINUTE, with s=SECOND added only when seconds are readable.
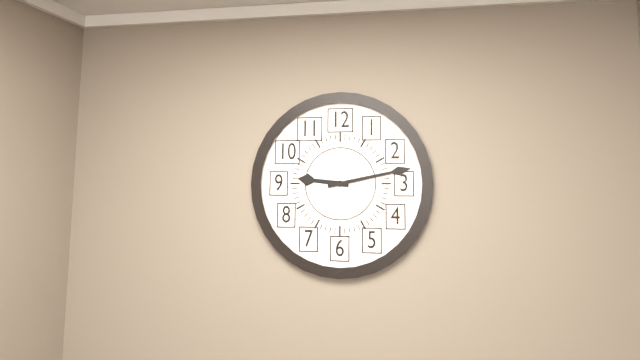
h=9 m=13
